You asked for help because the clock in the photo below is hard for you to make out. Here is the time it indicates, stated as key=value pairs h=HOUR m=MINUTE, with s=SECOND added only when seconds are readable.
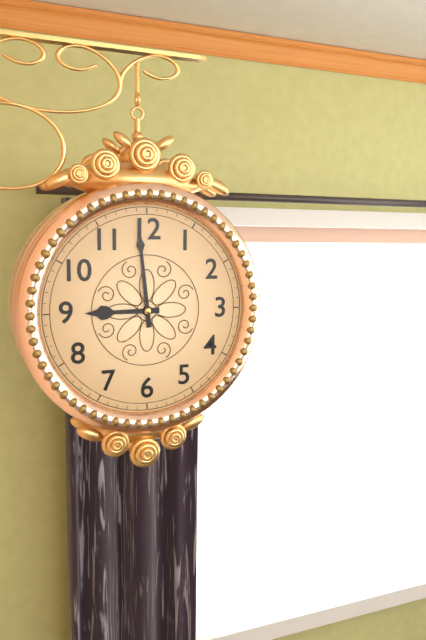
h=8 m=59
